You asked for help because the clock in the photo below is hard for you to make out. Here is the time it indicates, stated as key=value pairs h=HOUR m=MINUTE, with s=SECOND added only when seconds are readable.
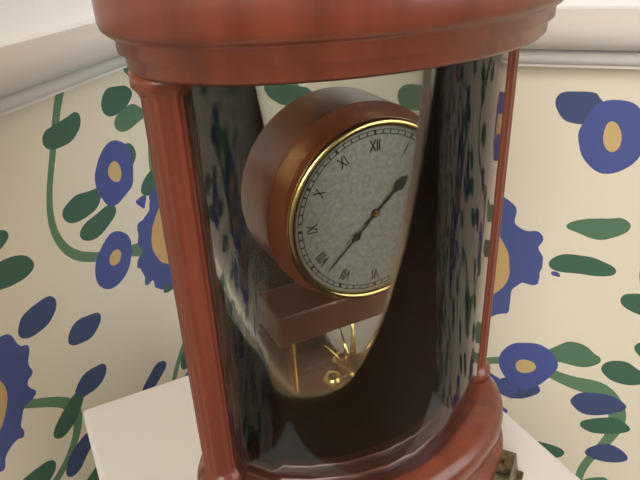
h=1 m=38
